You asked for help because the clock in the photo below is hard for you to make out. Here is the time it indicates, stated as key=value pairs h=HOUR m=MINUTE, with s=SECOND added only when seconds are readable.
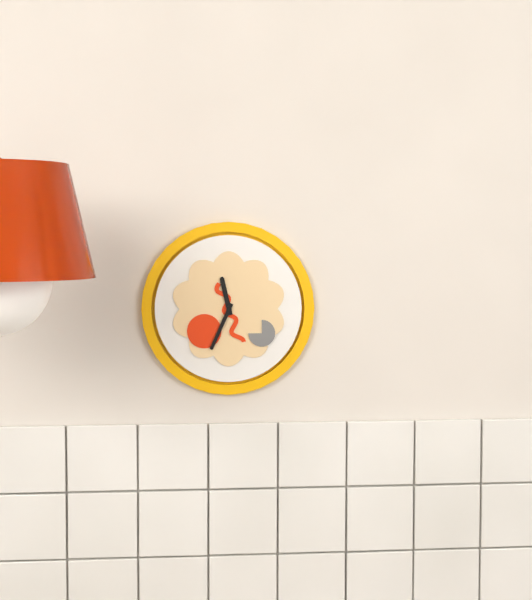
h=11 m=34
